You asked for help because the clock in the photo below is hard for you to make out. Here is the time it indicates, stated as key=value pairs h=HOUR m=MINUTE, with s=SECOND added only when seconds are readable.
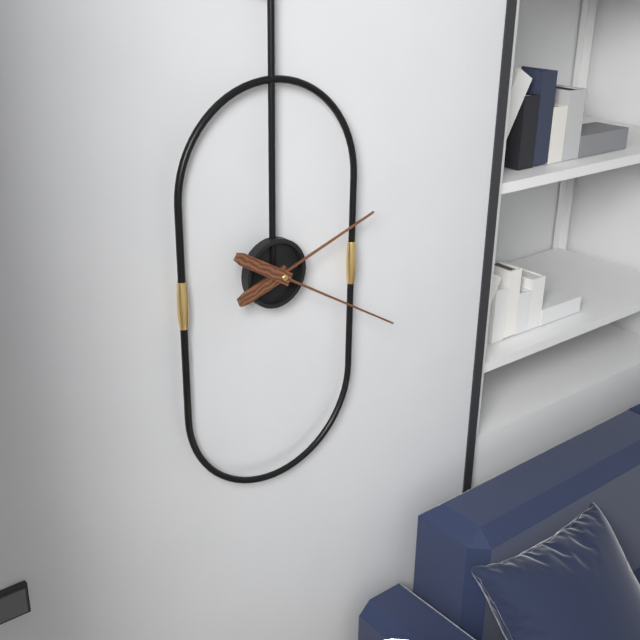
h=2 m=20
